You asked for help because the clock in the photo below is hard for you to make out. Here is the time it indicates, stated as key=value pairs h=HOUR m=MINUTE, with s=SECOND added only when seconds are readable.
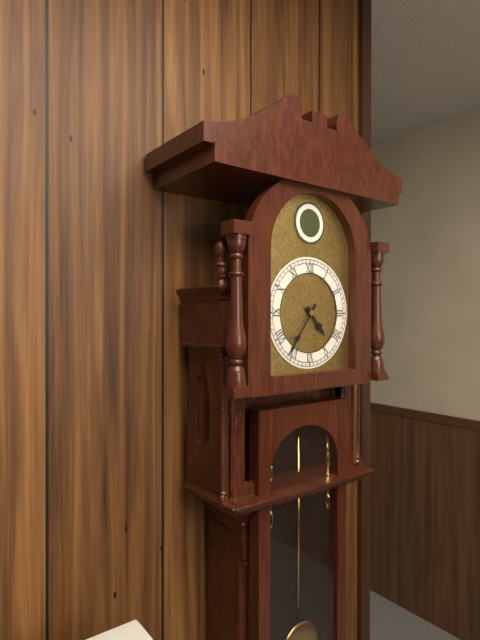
h=4 m=36
